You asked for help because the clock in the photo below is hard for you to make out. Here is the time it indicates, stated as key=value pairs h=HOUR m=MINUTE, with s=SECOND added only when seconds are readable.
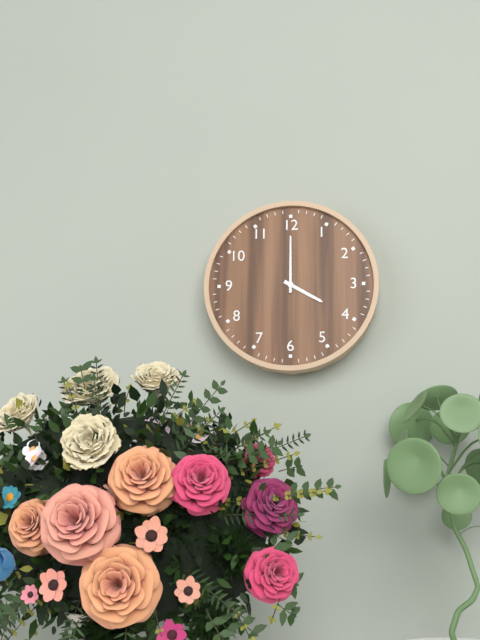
h=4 m=0
